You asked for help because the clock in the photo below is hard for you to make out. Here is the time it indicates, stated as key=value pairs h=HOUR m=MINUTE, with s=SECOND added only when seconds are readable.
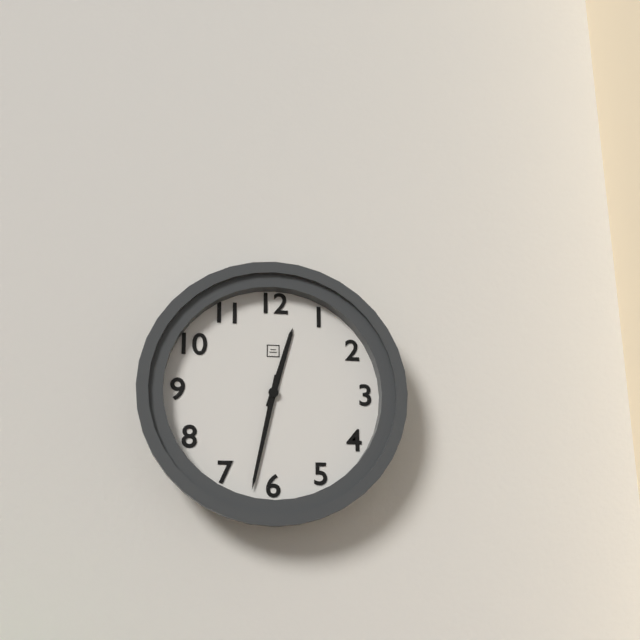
h=12 m=32
